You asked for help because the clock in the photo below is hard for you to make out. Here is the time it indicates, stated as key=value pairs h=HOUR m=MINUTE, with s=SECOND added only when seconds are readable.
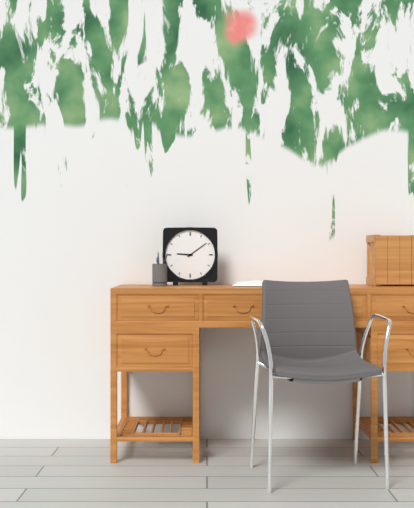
h=9 m=9
